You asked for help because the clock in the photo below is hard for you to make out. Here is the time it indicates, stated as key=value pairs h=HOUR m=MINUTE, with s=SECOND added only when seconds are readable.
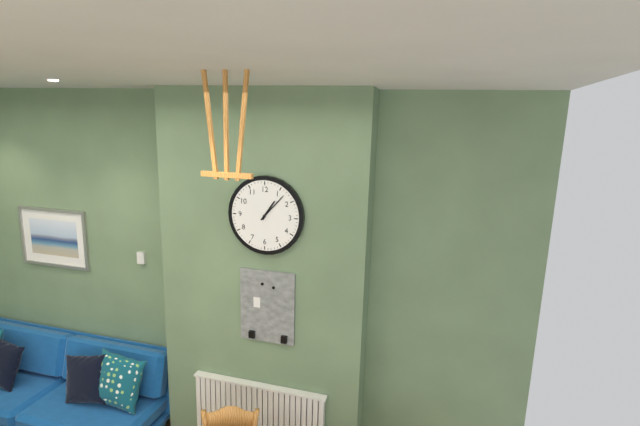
h=1 m=7
